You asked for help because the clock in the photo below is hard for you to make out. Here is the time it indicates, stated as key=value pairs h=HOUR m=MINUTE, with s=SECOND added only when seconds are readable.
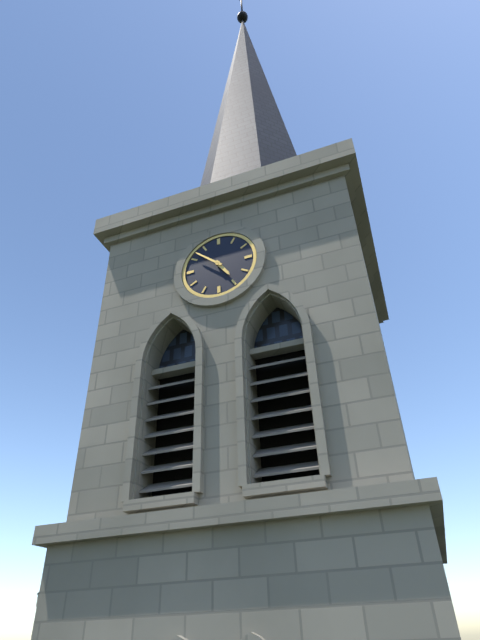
h=4 m=52
